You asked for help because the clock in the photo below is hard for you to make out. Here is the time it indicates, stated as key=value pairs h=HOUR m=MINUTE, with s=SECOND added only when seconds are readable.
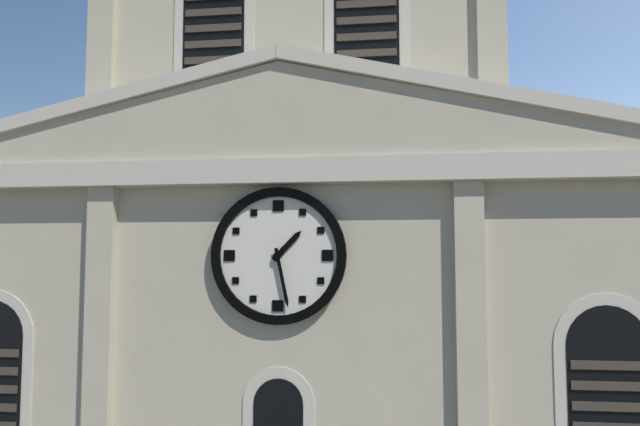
h=1 m=28
